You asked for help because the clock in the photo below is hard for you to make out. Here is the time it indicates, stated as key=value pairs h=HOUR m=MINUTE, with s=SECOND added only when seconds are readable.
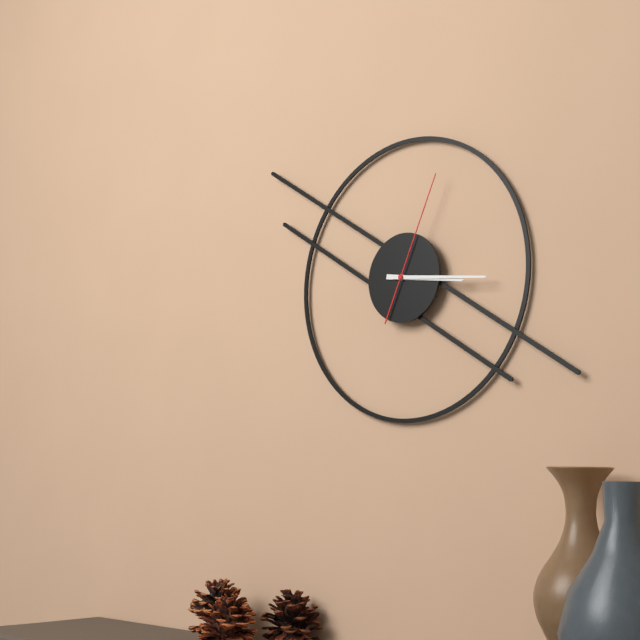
h=3 m=16 s=4
